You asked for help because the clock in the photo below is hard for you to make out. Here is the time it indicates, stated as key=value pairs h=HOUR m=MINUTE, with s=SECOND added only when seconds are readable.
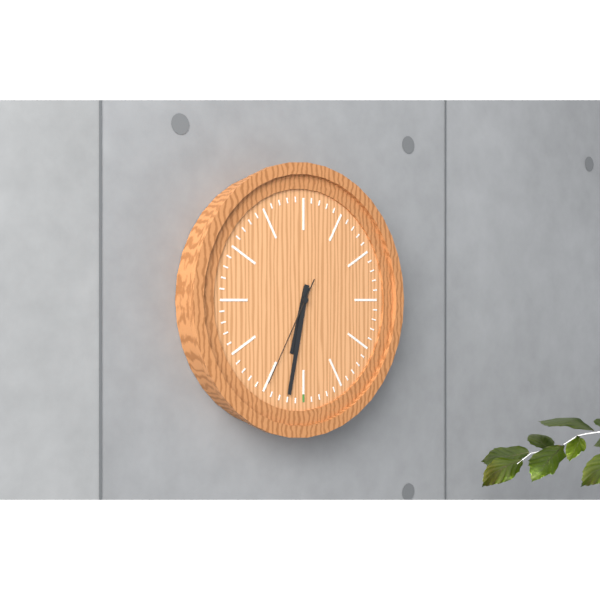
h=6 m=32 s=35
